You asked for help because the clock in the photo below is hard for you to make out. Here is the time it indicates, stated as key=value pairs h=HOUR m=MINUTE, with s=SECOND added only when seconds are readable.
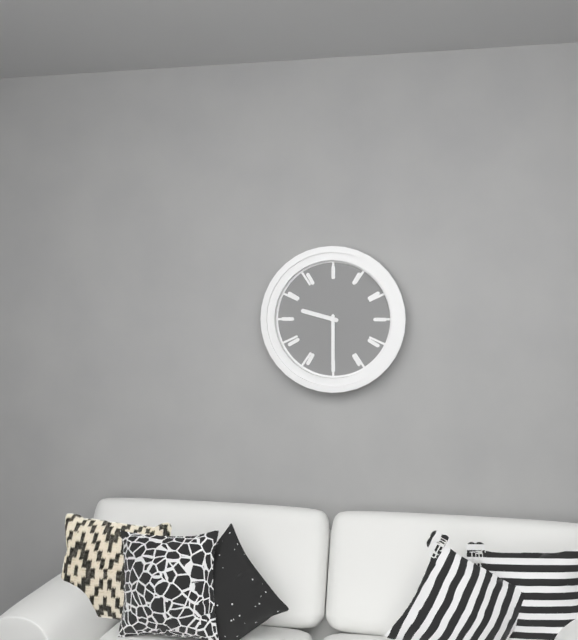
h=9 m=30
